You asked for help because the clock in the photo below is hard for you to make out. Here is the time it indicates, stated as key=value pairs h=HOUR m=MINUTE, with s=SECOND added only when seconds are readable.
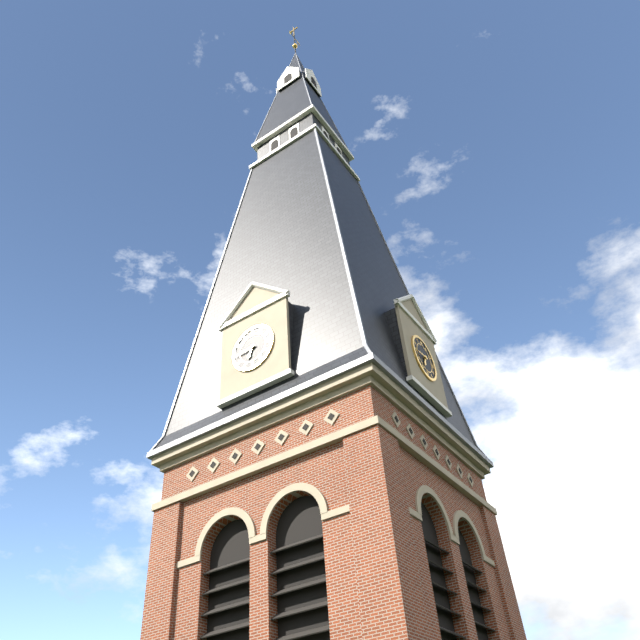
h=6 m=44
